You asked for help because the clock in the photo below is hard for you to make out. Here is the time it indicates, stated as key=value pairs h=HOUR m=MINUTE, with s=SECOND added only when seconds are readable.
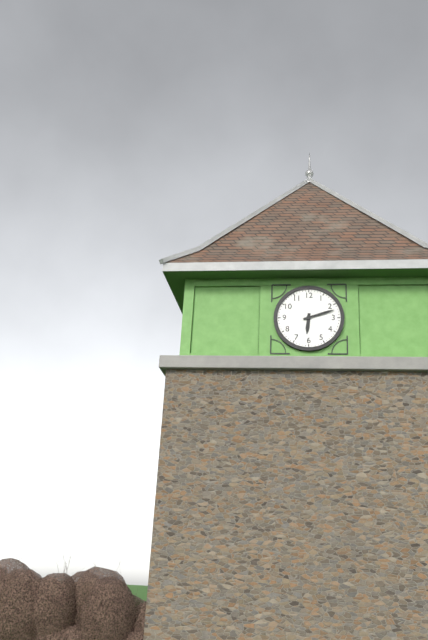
h=6 m=12
